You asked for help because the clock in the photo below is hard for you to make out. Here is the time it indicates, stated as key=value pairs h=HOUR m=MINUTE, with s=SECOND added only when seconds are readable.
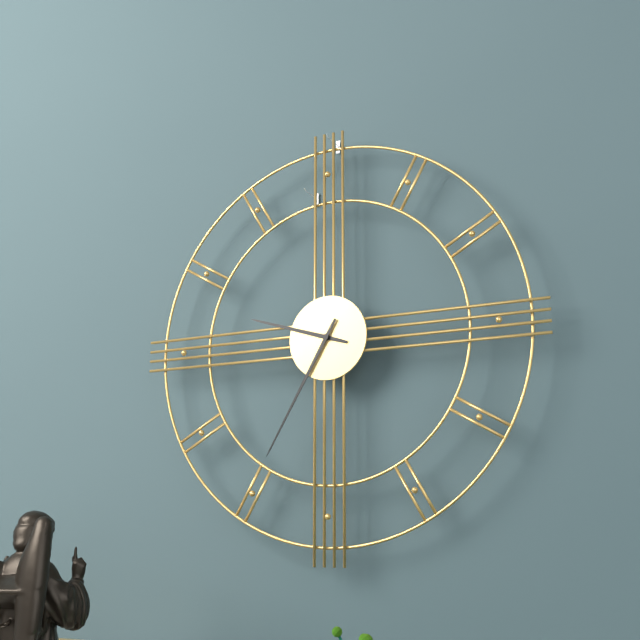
h=9 m=35
